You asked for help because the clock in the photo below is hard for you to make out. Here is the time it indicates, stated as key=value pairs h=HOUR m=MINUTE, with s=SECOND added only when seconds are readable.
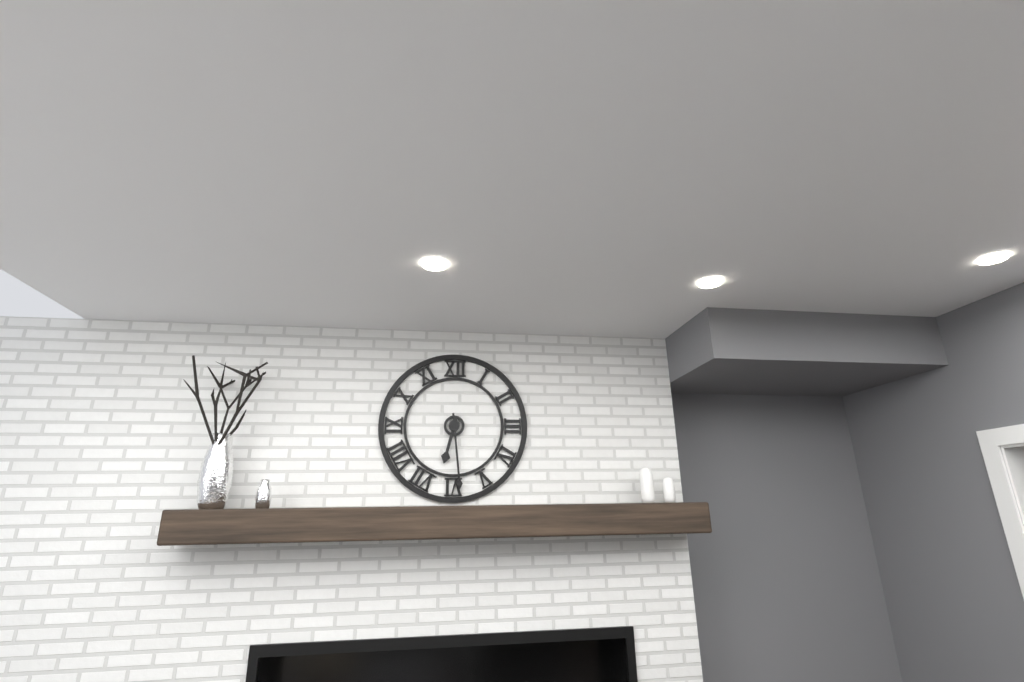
h=6 m=29
